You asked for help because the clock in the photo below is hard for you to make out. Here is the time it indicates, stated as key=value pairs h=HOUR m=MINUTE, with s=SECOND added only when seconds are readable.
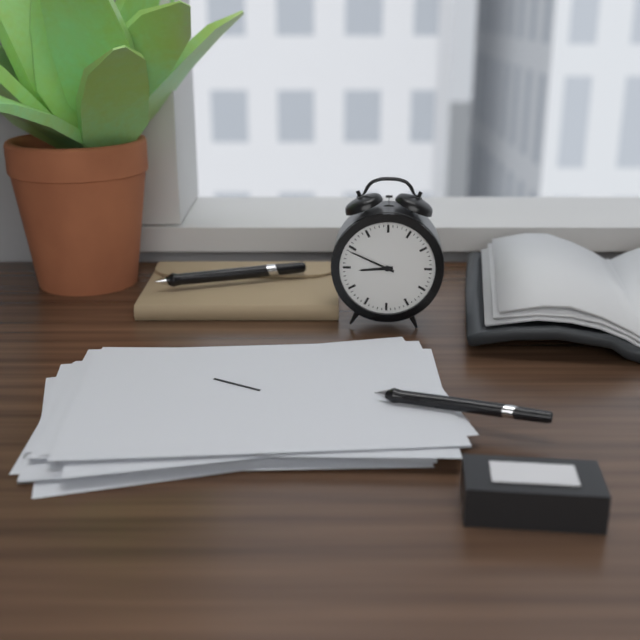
h=8 m=49
